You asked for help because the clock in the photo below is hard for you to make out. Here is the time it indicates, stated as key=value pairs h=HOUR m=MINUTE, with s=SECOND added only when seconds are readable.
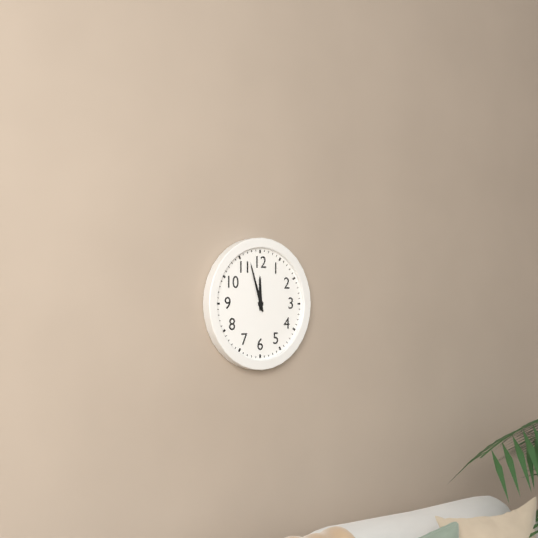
h=11 m=57
